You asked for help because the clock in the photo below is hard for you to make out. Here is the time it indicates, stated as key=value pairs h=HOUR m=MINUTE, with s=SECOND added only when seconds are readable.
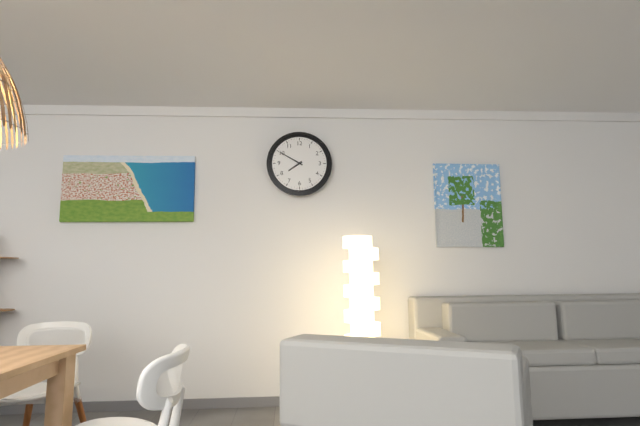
h=7 m=50
